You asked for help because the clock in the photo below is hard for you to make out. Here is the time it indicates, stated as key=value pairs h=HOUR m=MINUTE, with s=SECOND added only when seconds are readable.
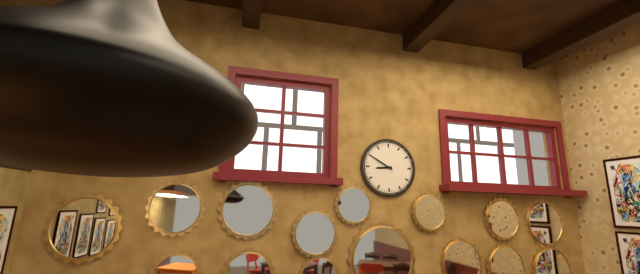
h=8 m=50
